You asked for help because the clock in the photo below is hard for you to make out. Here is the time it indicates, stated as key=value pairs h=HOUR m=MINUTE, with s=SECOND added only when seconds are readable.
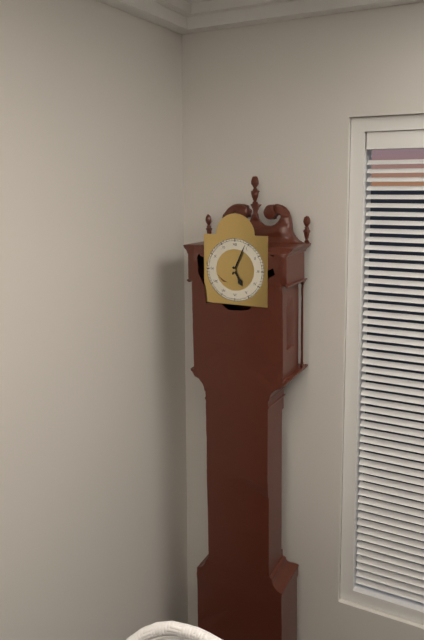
h=5 m=4
